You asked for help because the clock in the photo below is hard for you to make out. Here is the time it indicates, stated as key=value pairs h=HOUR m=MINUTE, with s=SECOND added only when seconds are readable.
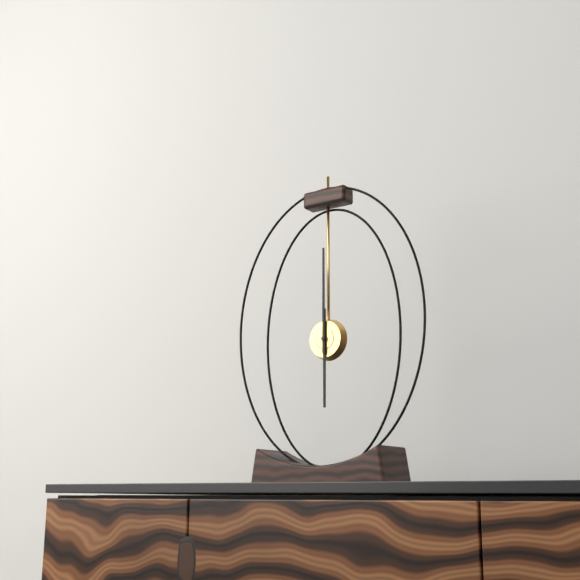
h=6 m=0
